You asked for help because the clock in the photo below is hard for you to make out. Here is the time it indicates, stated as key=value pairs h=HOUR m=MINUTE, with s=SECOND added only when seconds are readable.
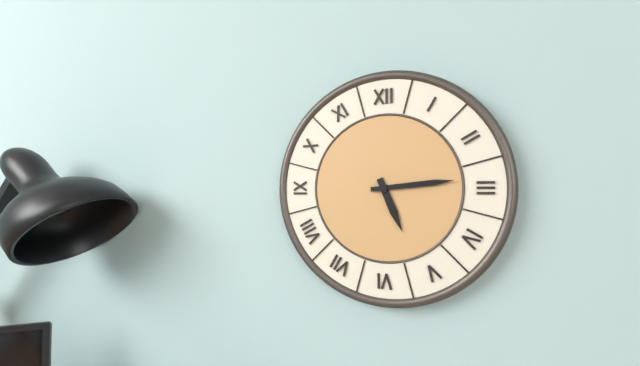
h=5 m=14
